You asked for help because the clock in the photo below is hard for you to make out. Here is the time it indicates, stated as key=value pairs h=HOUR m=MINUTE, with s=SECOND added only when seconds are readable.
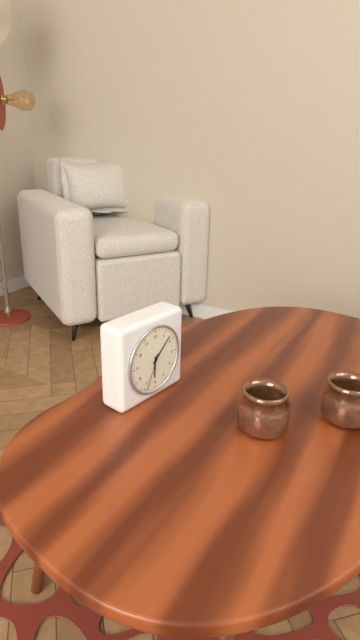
h=6 m=8
